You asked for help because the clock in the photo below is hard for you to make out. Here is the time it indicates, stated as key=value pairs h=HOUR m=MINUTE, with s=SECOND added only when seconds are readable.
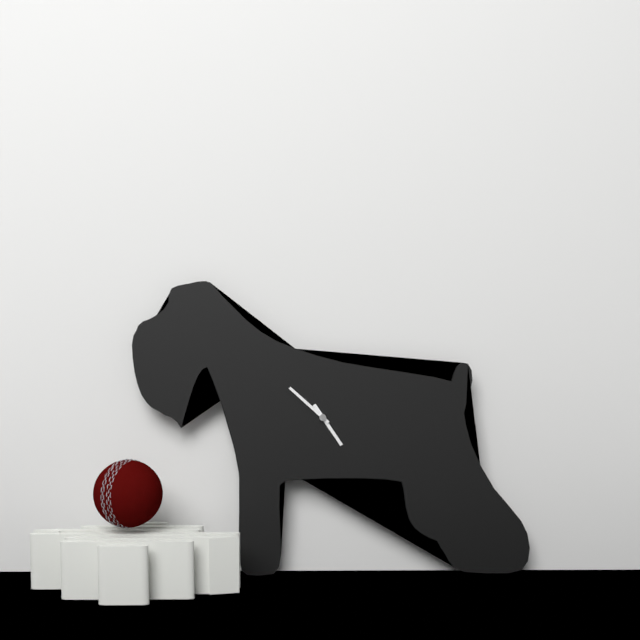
h=4 m=52
